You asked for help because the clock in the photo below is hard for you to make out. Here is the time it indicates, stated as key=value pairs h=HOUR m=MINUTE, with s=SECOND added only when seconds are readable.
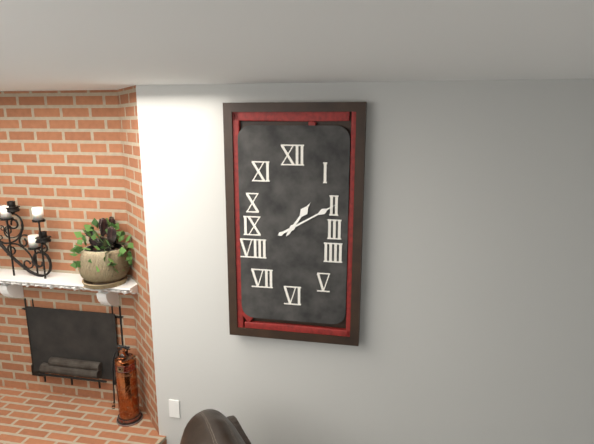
h=1 m=10
